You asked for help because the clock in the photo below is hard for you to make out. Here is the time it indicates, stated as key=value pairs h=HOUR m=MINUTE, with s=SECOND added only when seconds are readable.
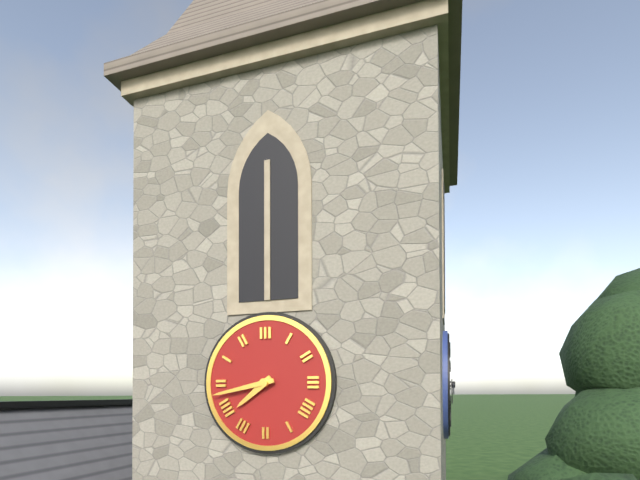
h=7 m=43
